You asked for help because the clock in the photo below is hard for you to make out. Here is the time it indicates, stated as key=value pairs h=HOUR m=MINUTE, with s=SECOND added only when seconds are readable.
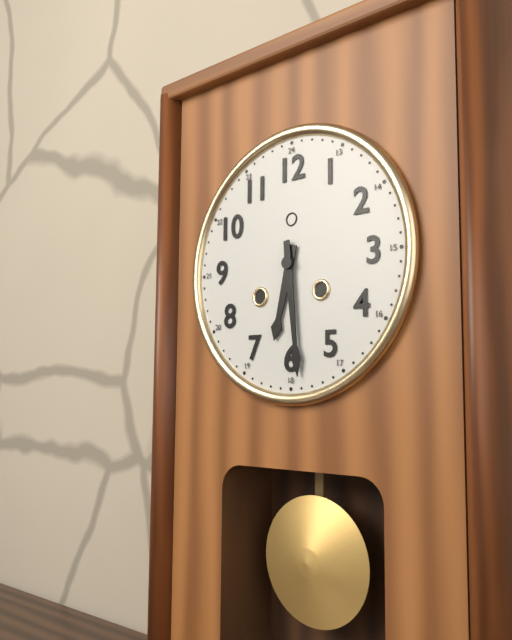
h=6 m=29
